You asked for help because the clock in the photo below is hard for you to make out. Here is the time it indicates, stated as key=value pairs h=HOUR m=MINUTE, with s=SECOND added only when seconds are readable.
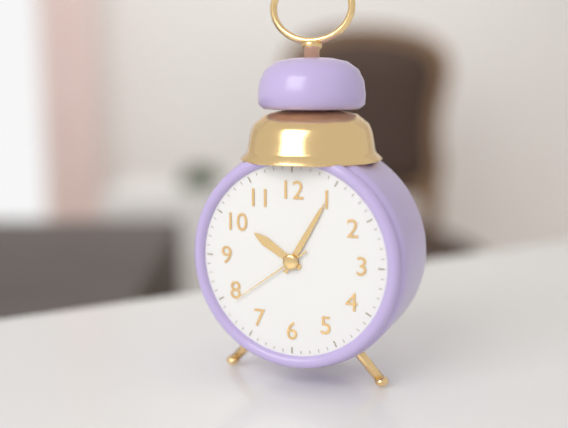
h=10 m=5 s=39
